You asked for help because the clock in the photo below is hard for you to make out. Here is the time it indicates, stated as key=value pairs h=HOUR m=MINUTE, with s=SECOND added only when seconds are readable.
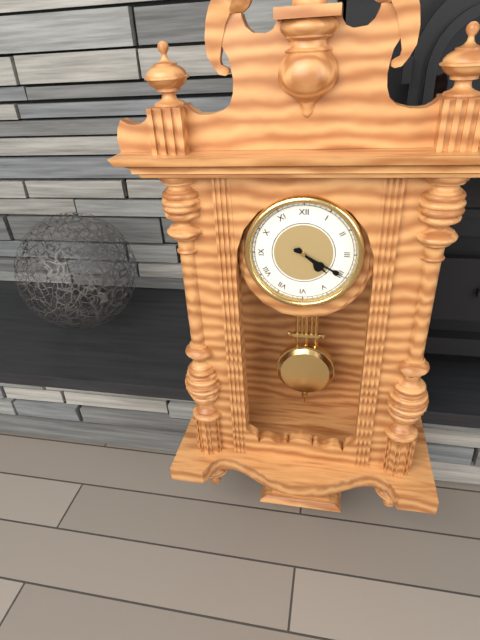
h=4 m=20
